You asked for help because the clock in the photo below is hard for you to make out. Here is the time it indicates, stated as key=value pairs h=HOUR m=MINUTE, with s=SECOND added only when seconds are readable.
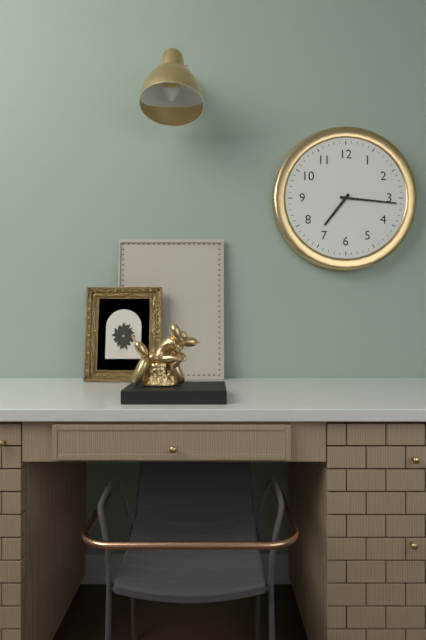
h=7 m=16
